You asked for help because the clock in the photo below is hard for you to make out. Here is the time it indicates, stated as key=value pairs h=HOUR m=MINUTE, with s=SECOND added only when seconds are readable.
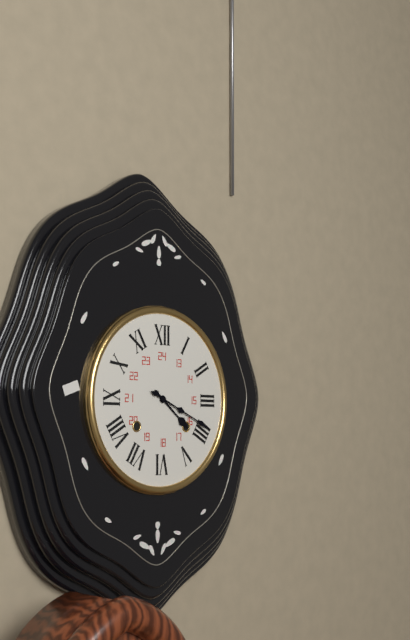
h=4 m=19
